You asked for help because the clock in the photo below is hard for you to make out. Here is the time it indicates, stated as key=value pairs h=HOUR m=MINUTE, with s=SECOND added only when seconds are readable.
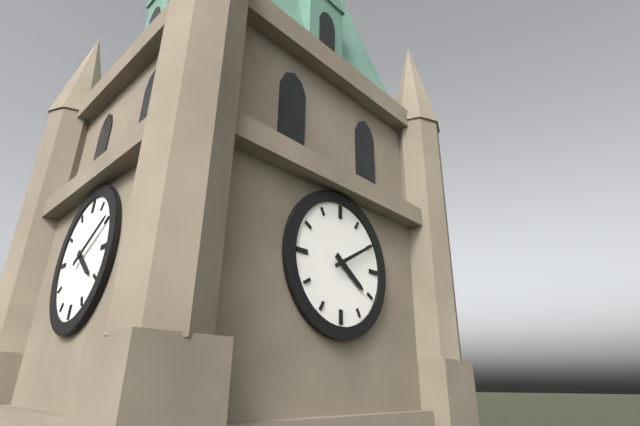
h=4 m=10
